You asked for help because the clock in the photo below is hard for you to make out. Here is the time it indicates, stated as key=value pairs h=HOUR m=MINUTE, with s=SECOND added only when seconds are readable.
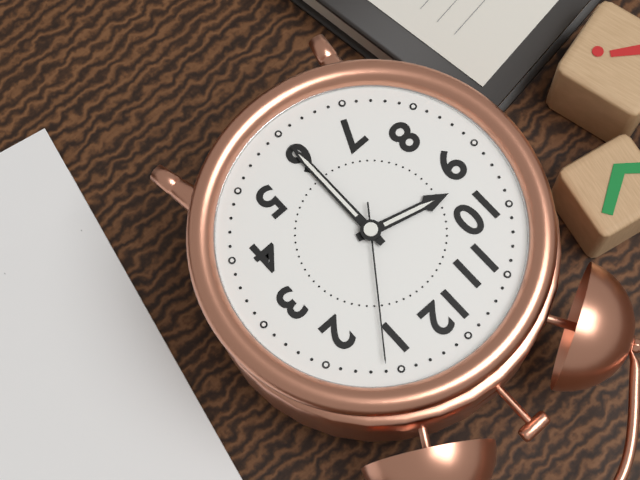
h=9 m=30 s=6
